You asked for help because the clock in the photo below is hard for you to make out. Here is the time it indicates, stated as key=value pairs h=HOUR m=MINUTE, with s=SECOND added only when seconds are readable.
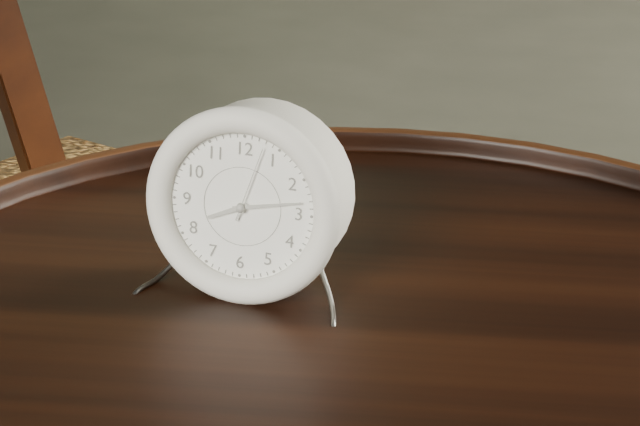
h=8 m=13 s=3
